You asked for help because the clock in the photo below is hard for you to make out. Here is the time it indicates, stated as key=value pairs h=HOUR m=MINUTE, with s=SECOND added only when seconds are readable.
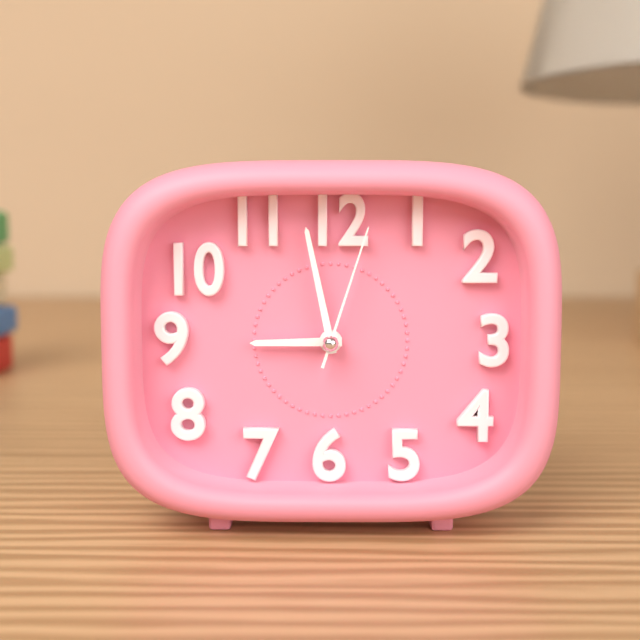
h=8 m=58 s=3
